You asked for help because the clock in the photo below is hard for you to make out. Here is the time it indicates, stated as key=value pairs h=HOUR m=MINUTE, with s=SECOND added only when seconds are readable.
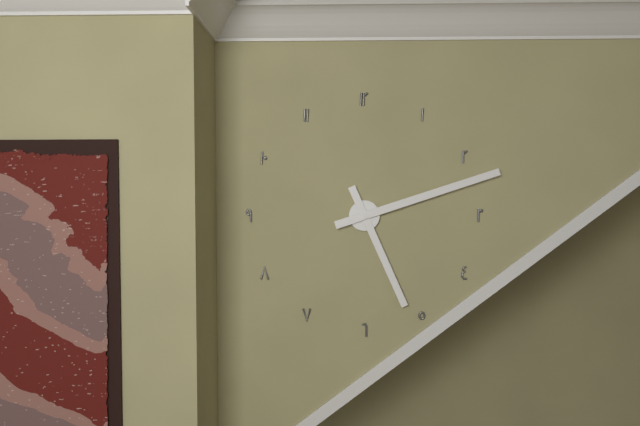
h=5 m=12
